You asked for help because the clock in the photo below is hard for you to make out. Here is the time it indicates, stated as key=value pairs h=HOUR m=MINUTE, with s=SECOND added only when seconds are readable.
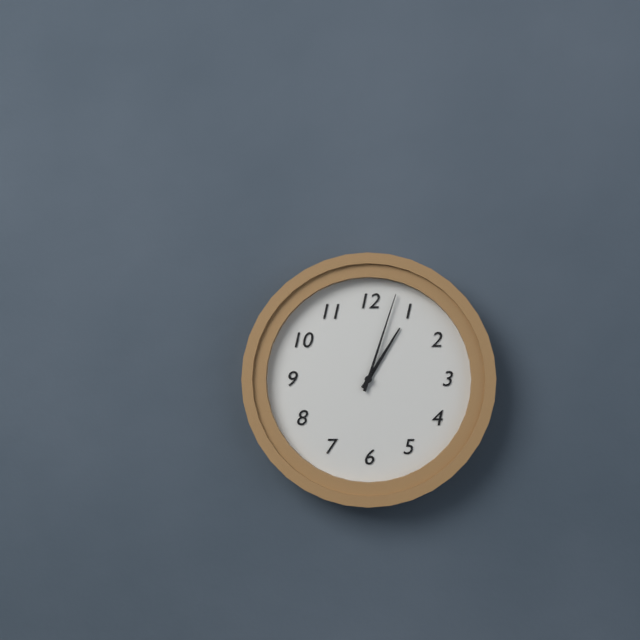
h=1 m=3
